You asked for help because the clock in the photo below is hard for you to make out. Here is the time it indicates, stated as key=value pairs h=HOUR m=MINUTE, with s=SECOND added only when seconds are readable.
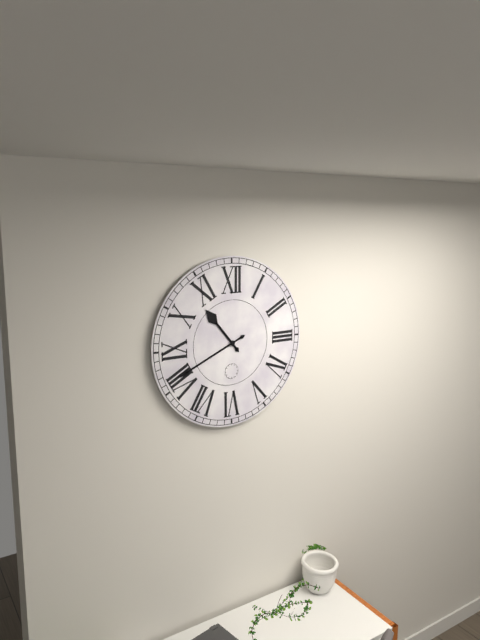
h=10 m=41
